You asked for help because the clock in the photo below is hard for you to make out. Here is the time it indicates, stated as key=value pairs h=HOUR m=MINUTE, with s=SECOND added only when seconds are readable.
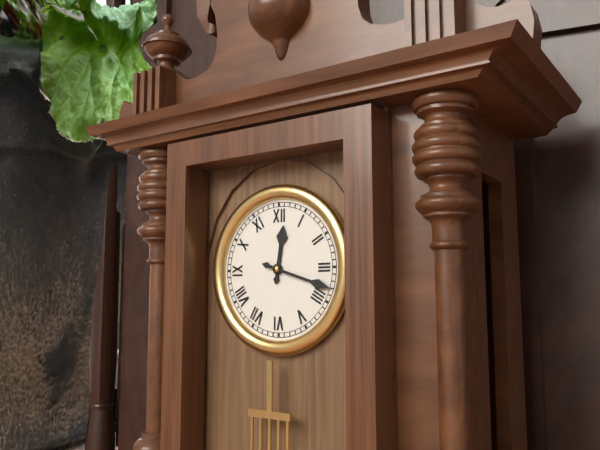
h=12 m=18
